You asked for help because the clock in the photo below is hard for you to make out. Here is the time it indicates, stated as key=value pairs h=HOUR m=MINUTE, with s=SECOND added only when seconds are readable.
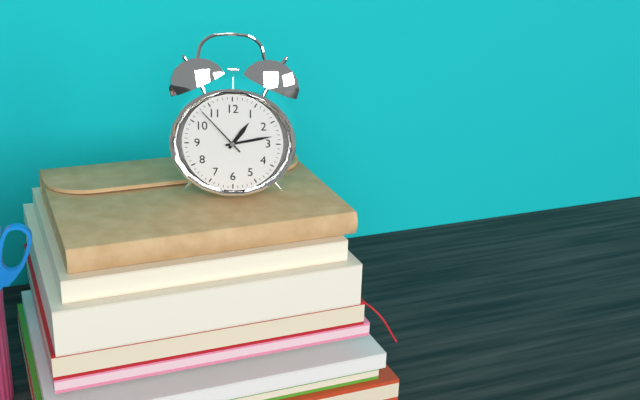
h=1 m=13 s=53
